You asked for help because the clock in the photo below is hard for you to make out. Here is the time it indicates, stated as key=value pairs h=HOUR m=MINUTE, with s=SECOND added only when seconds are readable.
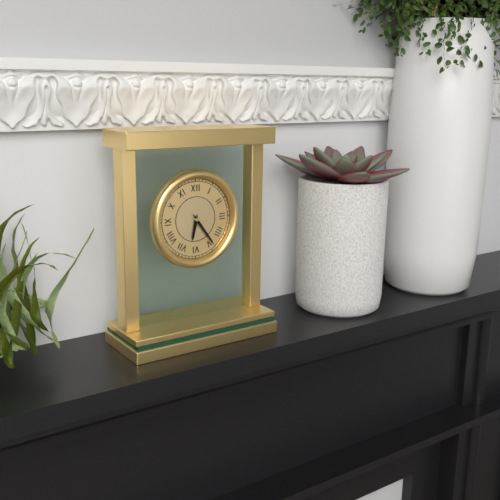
h=6 m=24
